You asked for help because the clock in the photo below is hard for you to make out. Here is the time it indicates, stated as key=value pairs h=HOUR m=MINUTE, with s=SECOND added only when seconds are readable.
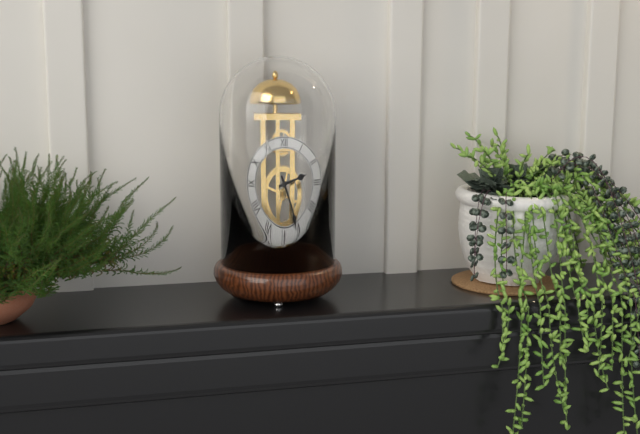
h=2 m=26
